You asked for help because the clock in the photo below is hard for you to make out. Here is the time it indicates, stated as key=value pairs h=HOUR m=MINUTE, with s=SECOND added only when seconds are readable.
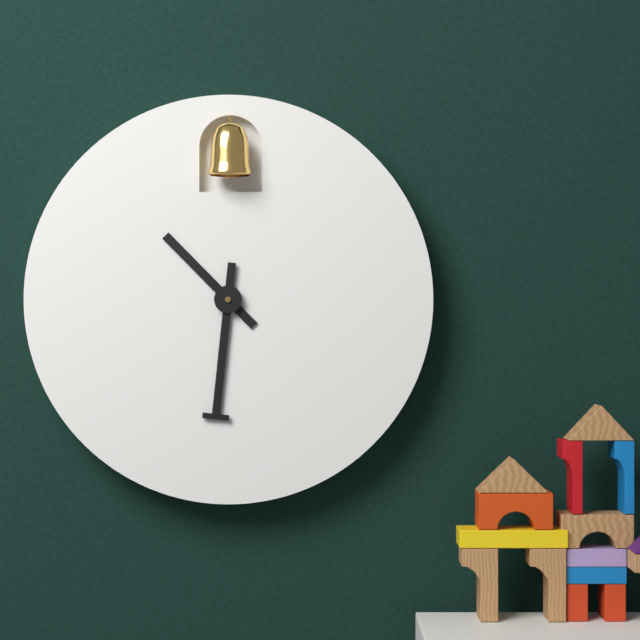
h=10 m=31
